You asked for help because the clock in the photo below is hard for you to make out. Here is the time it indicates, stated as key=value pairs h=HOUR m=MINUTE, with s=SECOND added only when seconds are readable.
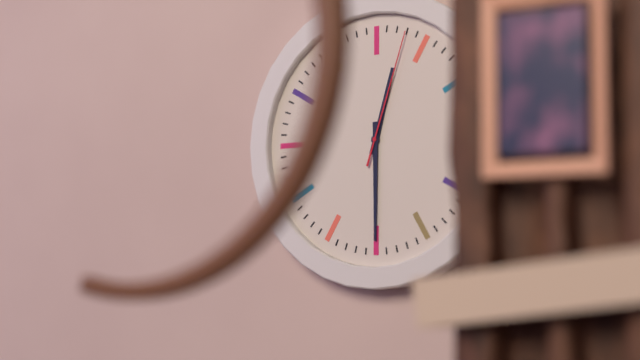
h=12 m=30 s=3
